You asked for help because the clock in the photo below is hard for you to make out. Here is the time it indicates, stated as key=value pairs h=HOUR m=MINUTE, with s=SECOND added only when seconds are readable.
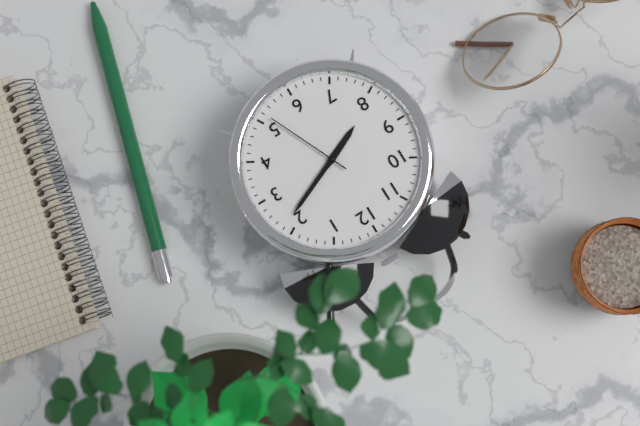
h=8 m=11 s=26
